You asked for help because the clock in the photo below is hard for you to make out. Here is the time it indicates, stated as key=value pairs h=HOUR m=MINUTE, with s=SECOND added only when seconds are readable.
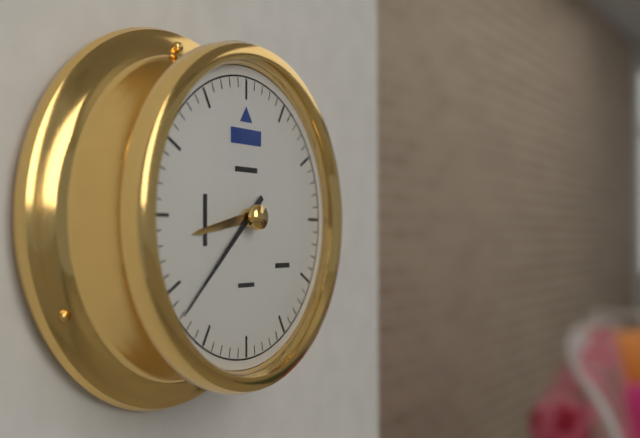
h=8 m=38
